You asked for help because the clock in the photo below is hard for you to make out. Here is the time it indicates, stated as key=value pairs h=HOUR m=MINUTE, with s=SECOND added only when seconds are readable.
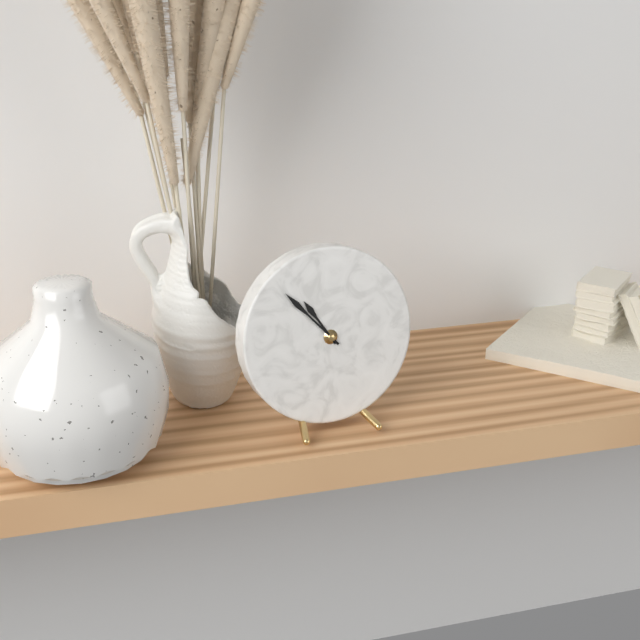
h=10 m=53
